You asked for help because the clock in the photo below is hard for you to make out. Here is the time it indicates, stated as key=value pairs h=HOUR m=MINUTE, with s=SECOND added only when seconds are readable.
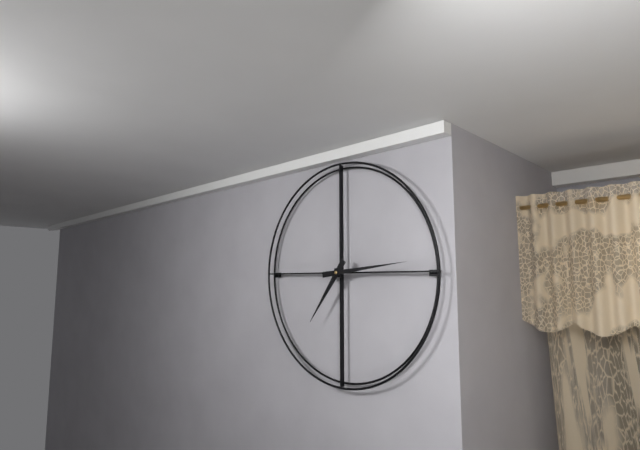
h=7 m=14
